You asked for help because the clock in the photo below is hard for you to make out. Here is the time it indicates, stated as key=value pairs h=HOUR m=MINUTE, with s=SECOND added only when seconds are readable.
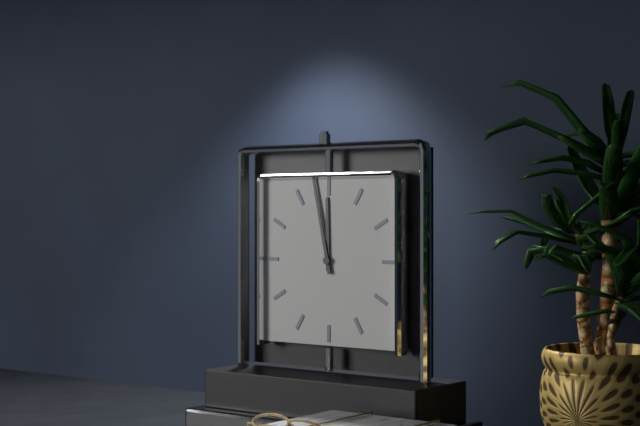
h=11 m=58
